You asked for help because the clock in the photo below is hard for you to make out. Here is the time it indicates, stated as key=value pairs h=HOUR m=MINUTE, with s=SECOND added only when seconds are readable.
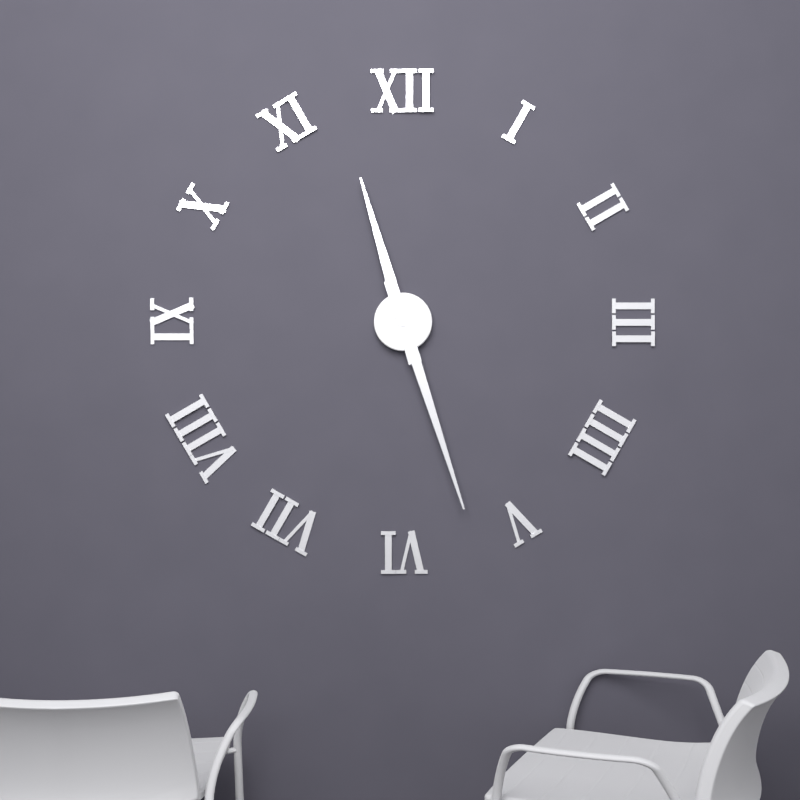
h=11 m=27
